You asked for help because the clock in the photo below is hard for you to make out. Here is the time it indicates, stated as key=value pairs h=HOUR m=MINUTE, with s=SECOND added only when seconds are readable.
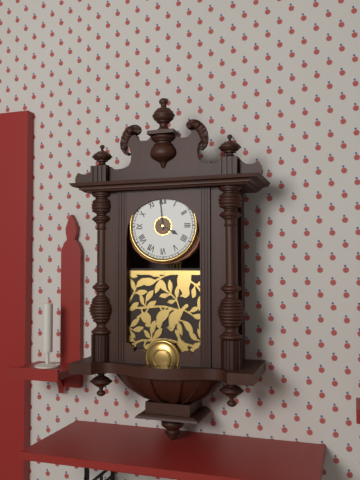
h=3 m=59
